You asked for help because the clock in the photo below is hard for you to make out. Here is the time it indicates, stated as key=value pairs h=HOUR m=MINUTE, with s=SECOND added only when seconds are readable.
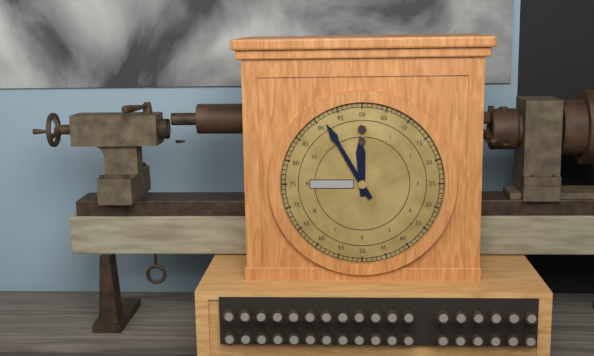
h=11 m=55
